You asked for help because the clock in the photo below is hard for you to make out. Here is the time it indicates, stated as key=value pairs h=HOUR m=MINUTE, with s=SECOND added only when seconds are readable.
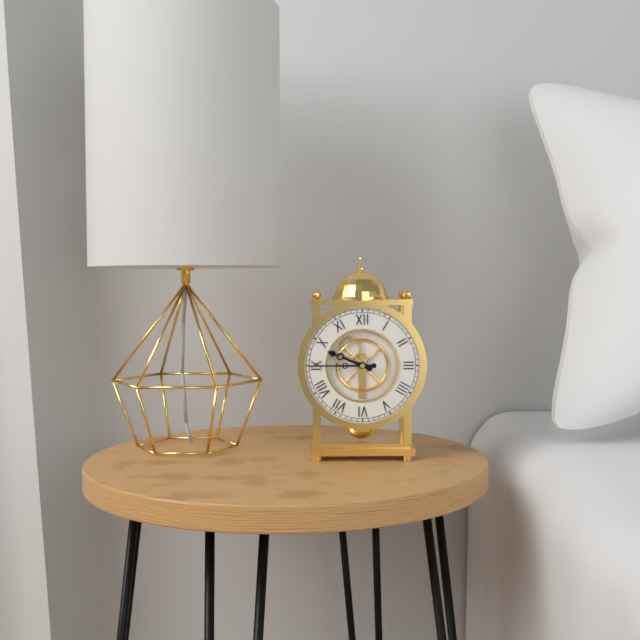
h=9 m=45
